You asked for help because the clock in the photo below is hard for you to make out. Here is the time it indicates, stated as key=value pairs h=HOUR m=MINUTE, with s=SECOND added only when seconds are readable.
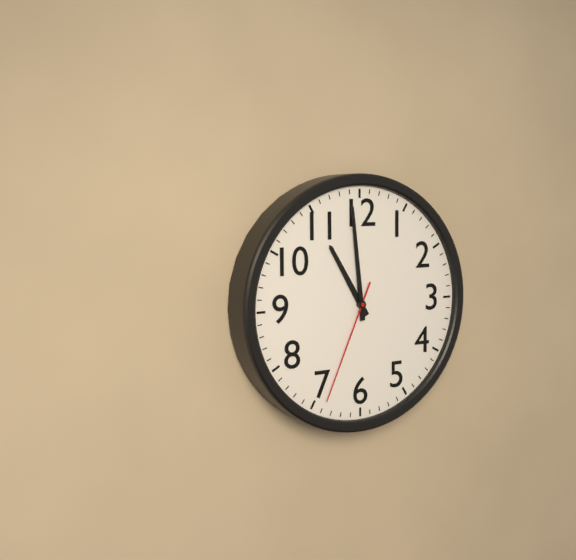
h=10 m=59 s=34
